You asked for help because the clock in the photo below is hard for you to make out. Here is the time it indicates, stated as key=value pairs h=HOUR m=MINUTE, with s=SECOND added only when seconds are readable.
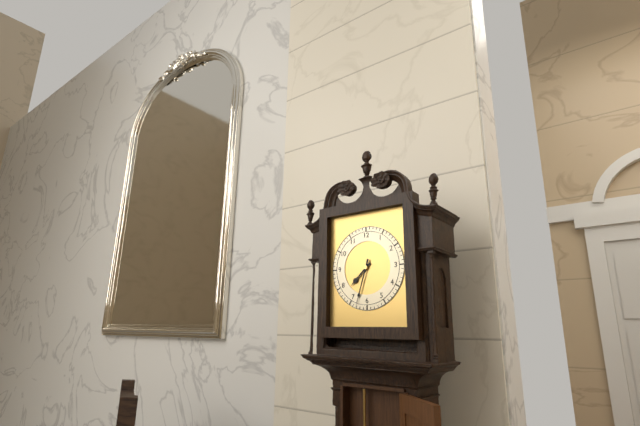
h=7 m=33
